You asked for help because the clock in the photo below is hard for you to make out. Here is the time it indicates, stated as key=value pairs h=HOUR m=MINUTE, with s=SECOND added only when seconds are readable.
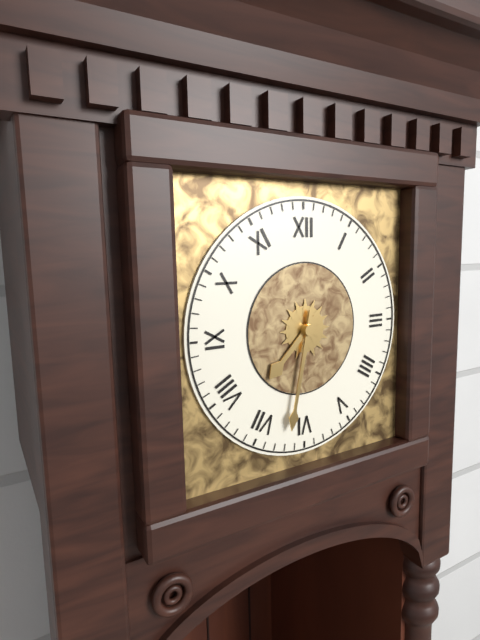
h=7 m=32
